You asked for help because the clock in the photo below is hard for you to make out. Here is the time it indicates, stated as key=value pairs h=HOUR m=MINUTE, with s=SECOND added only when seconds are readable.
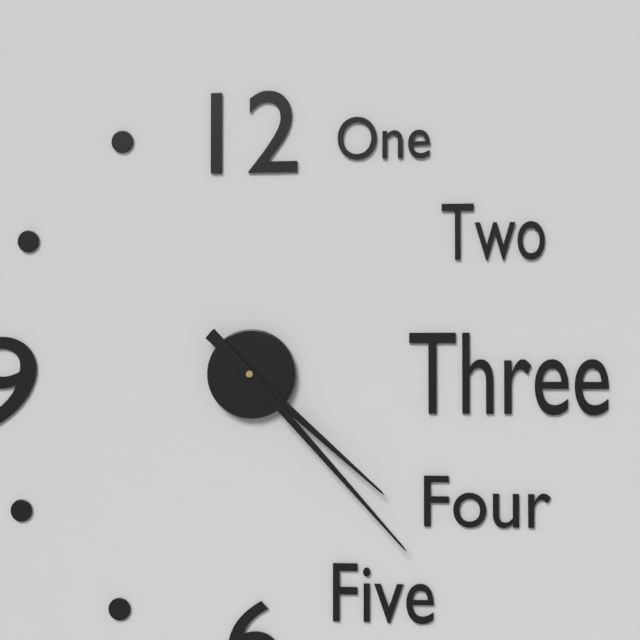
h=4 m=23
